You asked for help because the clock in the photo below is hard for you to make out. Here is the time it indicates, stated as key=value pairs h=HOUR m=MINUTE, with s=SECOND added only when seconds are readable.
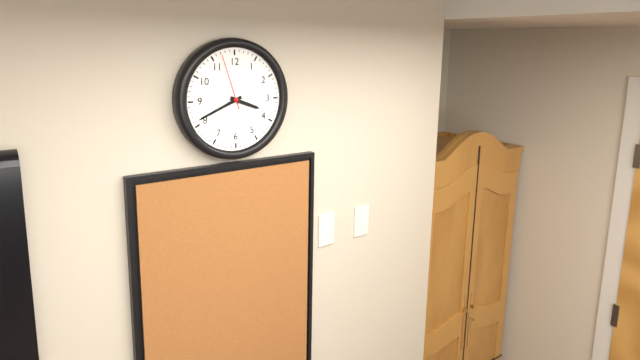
h=3 m=41 s=57
